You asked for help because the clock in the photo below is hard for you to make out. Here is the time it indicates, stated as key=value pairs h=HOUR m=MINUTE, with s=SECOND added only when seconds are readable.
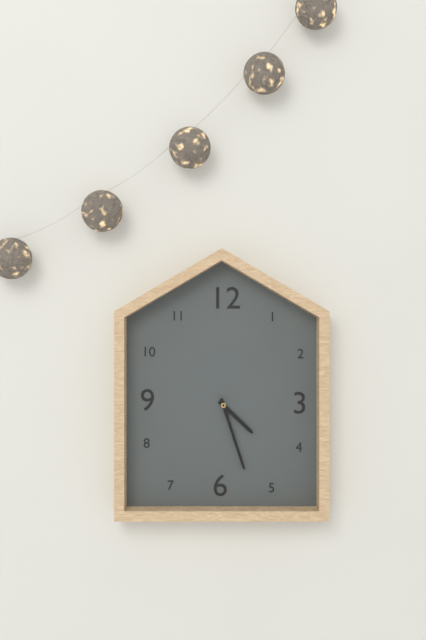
h=4 m=27
